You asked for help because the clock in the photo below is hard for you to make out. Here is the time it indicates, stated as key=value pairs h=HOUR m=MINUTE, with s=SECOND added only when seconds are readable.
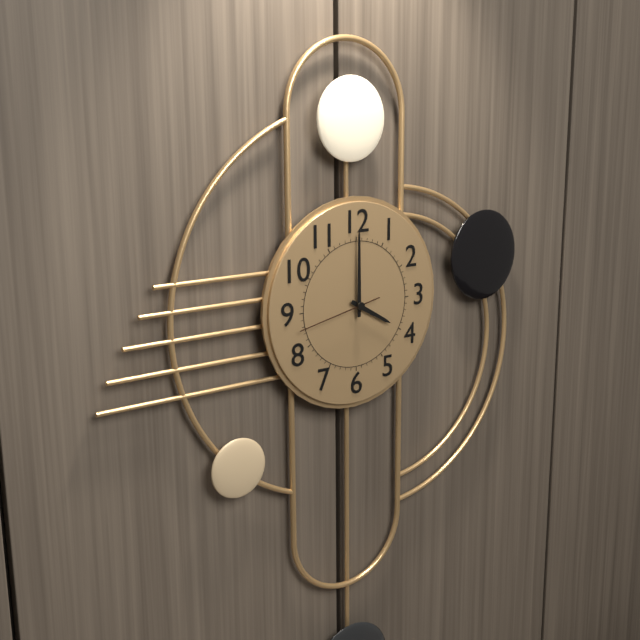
h=4 m=0 s=43
